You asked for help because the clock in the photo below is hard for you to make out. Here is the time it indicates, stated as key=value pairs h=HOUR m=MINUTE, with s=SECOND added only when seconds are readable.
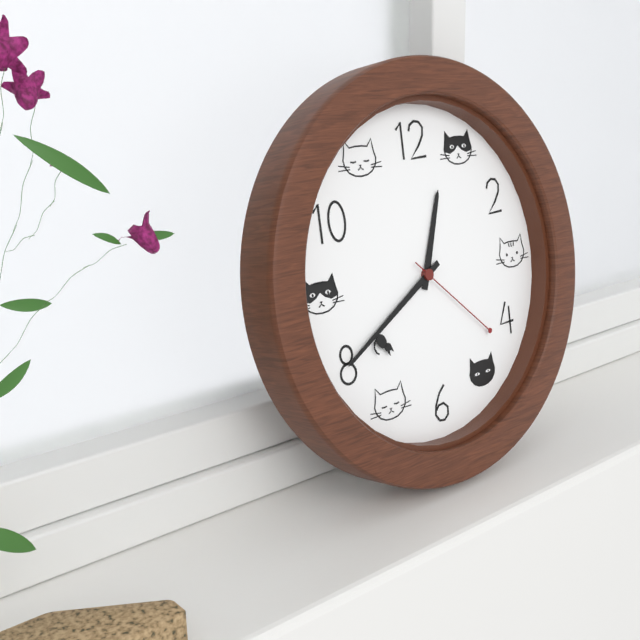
h=12 m=40 s=22
